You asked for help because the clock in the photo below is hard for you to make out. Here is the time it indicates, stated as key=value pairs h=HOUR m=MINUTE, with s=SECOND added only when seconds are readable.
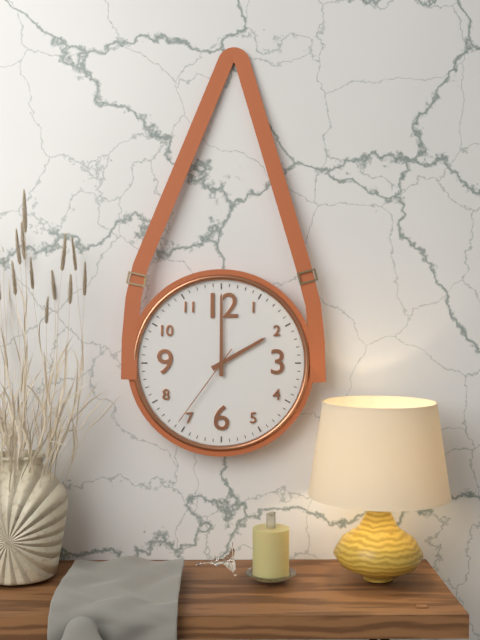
h=2 m=0 s=36
